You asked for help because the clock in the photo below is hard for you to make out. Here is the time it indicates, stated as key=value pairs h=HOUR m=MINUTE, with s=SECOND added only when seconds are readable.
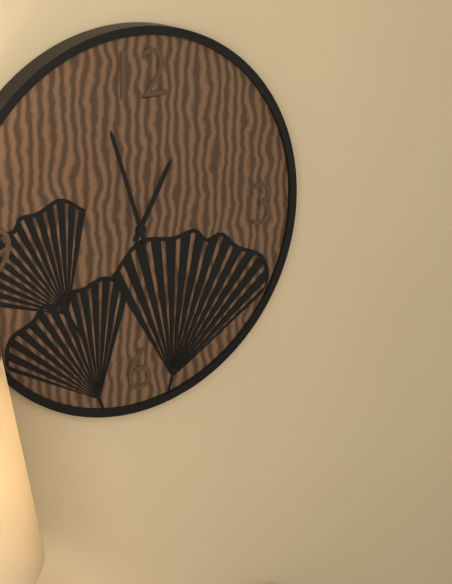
h=12 m=57
